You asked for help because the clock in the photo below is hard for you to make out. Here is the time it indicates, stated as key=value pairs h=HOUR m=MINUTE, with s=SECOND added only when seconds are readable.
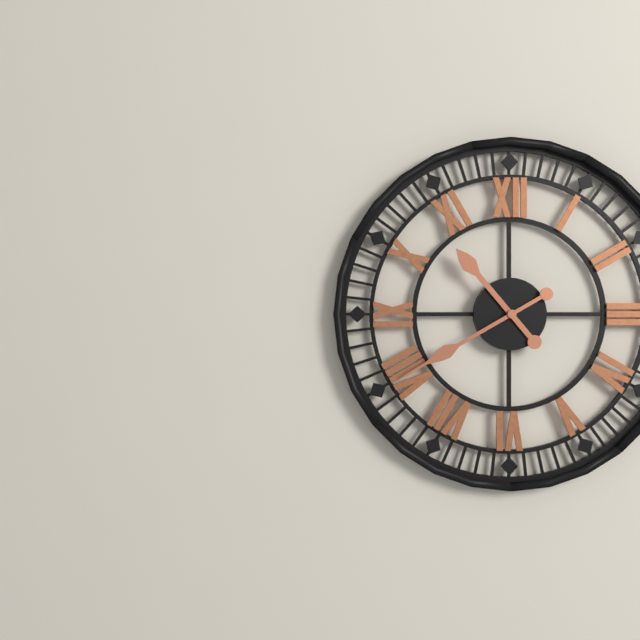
h=10 m=40
